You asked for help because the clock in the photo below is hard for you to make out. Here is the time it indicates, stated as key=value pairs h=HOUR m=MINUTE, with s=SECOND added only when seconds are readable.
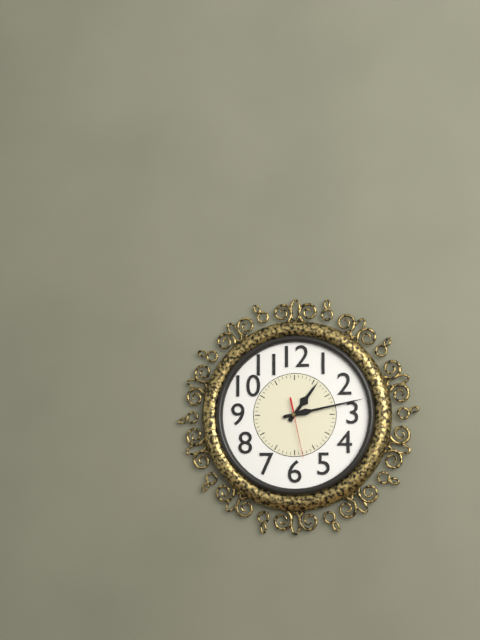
h=1 m=13 s=28
